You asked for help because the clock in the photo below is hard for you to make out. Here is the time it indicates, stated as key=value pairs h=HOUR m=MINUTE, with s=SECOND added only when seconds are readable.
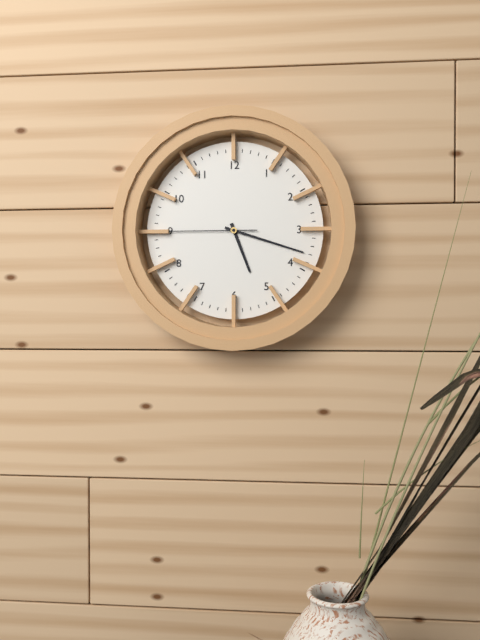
h=5 m=18 s=45
